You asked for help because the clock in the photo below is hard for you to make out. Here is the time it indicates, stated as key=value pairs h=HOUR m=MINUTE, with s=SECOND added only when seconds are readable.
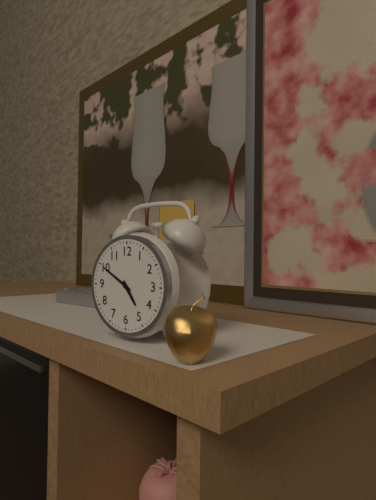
h=4 m=50
